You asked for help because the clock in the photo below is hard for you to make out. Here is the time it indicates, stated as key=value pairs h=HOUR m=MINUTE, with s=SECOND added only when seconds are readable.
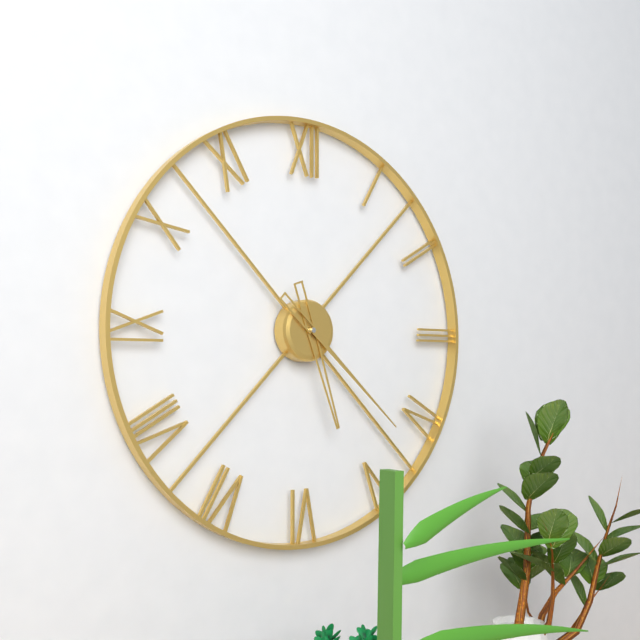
h=5 m=22
